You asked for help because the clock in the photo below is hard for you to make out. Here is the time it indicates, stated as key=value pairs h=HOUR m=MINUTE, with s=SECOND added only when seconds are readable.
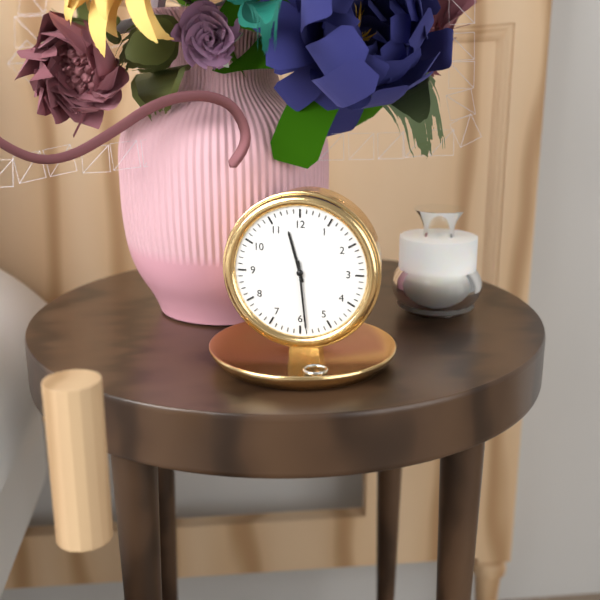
h=11 m=29
